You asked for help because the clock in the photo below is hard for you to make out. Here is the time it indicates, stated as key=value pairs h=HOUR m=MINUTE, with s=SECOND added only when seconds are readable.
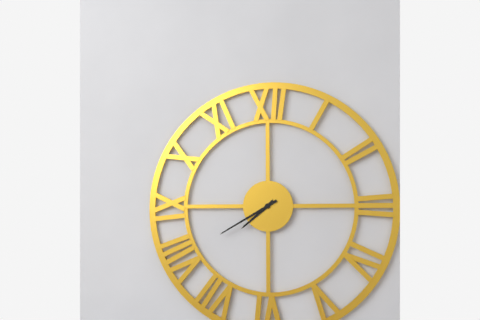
h=7 m=40
